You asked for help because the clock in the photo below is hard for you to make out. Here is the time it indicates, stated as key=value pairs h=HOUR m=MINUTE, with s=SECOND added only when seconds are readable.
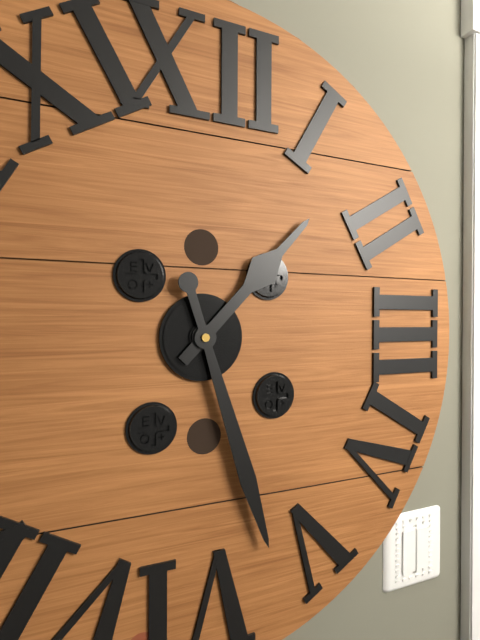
h=1 m=27
